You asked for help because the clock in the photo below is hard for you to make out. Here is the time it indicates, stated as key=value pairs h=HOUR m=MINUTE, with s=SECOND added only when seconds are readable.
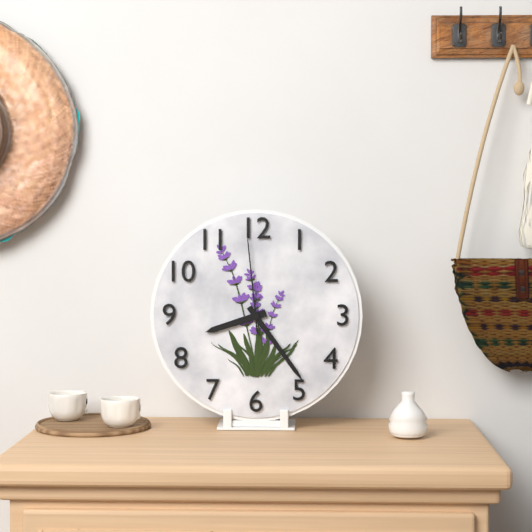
h=8 m=24 s=59
